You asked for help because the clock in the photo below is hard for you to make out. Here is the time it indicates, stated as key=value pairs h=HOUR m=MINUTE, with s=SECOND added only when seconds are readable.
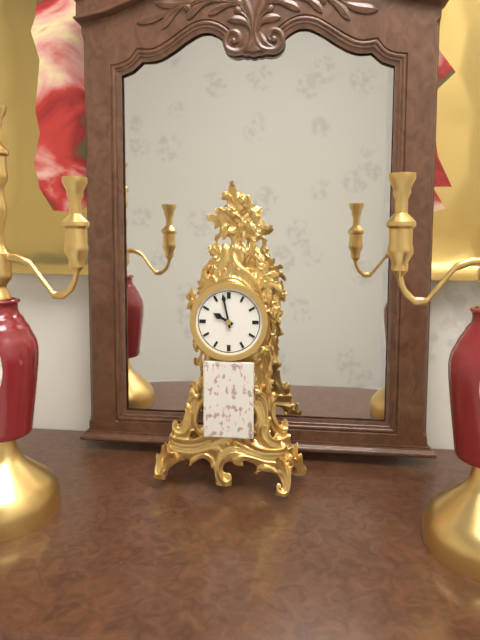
h=9 m=58
